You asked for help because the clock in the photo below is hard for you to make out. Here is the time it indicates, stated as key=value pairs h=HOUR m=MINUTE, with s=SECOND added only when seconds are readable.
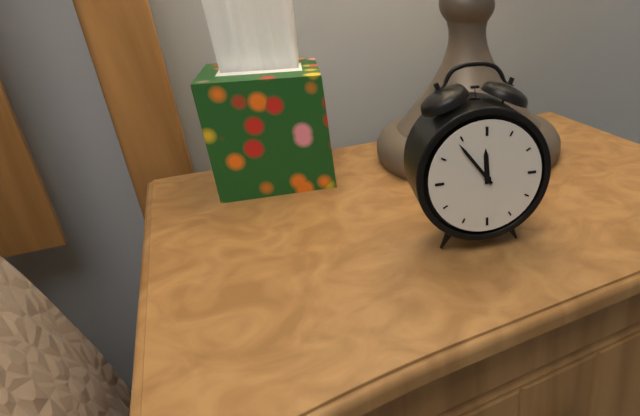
h=11 m=54
